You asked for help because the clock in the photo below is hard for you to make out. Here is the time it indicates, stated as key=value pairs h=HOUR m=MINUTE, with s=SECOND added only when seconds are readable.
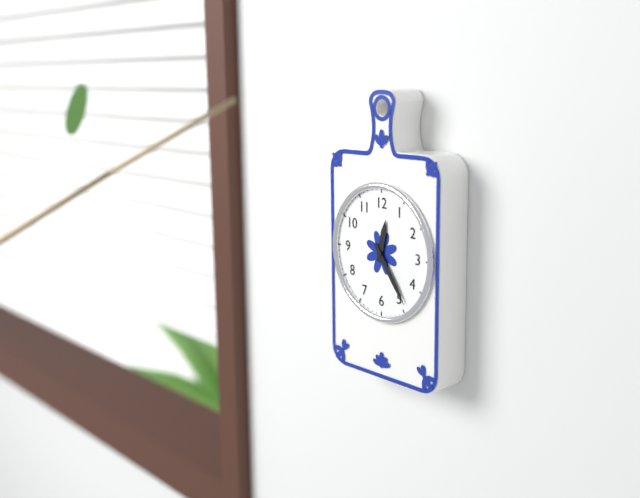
h=12 m=24
